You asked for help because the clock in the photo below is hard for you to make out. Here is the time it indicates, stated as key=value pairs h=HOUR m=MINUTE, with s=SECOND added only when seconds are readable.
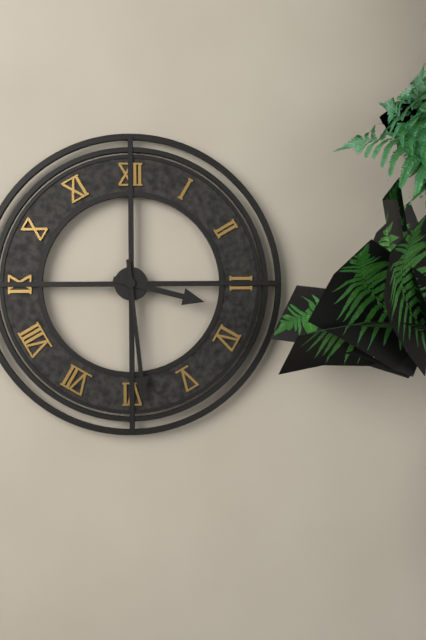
h=3 m=29
